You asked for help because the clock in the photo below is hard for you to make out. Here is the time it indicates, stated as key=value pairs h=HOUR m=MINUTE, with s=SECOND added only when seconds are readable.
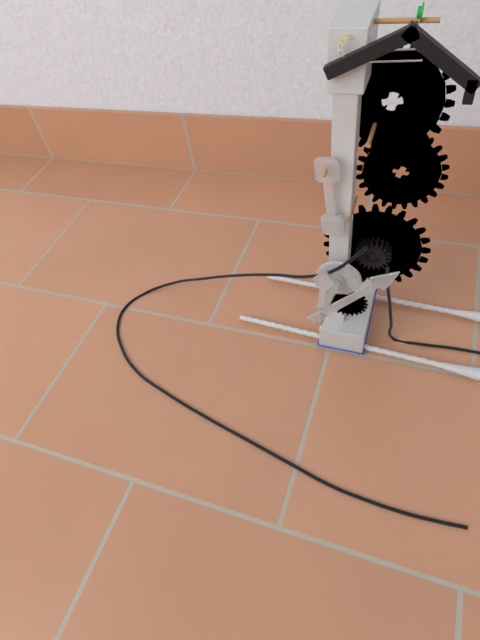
h=12 m=7
